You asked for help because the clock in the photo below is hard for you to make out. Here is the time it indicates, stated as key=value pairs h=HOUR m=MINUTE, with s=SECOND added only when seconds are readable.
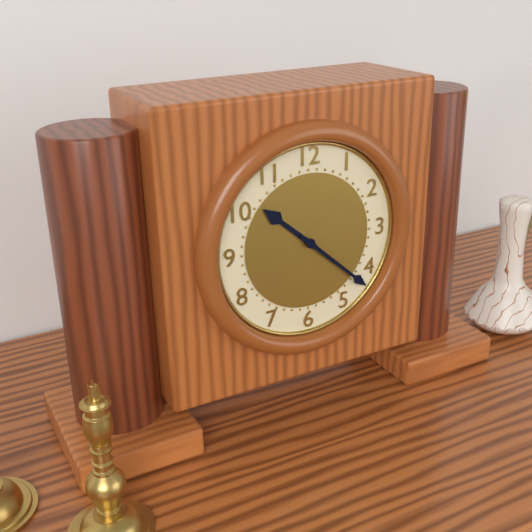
h=10 m=22
